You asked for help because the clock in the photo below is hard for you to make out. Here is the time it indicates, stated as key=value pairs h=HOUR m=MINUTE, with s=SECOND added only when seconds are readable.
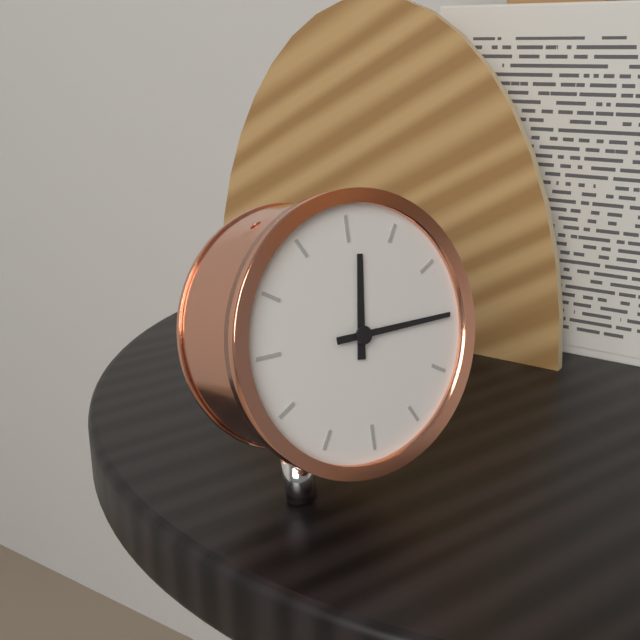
h=12 m=15
